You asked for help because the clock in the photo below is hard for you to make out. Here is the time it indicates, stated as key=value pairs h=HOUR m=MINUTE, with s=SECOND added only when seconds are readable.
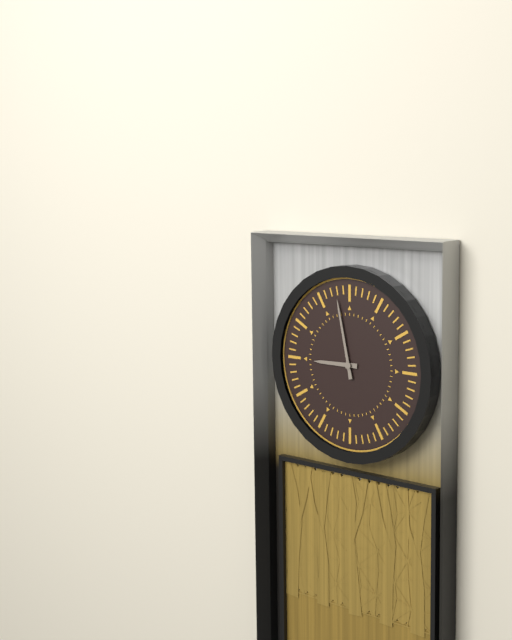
h=8 m=58
